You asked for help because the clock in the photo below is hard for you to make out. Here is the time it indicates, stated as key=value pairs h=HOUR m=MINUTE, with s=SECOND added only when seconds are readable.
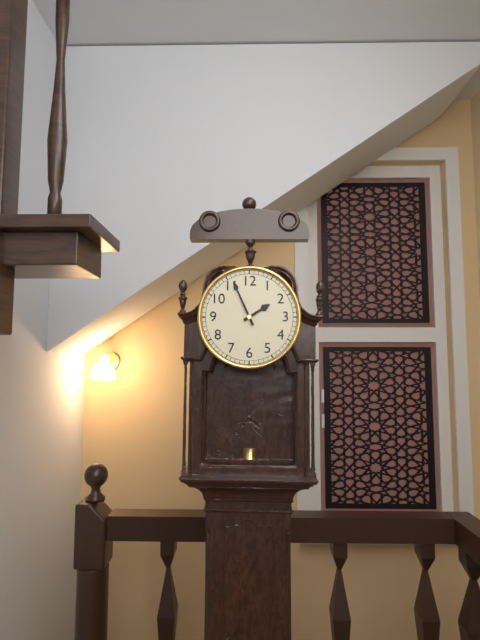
h=1 m=56
